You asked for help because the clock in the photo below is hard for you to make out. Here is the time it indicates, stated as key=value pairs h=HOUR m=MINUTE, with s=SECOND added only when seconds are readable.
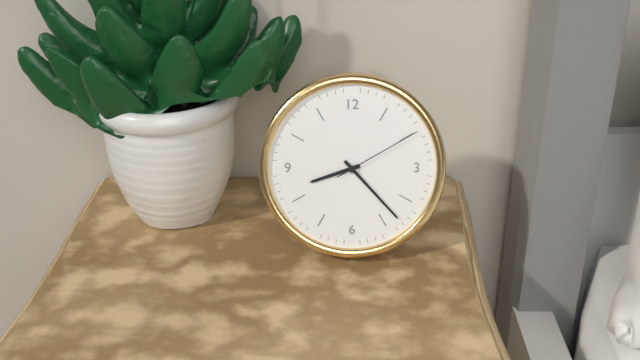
h=8 m=23 s=10
